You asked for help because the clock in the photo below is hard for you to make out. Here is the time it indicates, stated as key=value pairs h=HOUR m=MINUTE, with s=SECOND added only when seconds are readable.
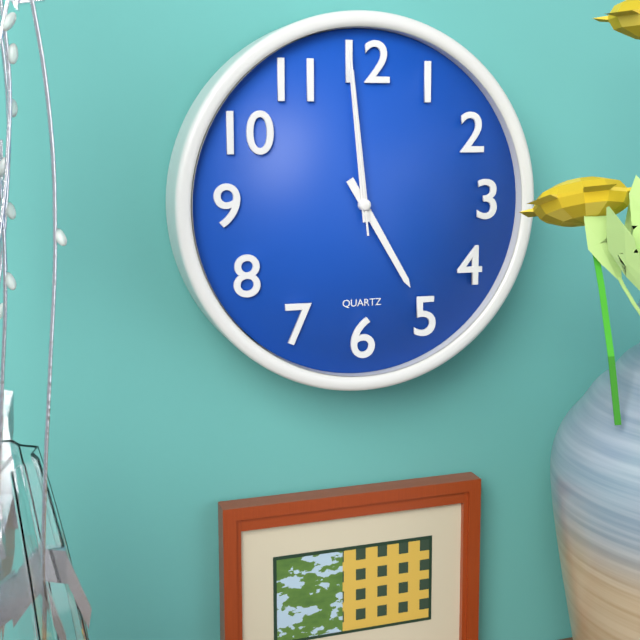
h=4 m=59 s=59
